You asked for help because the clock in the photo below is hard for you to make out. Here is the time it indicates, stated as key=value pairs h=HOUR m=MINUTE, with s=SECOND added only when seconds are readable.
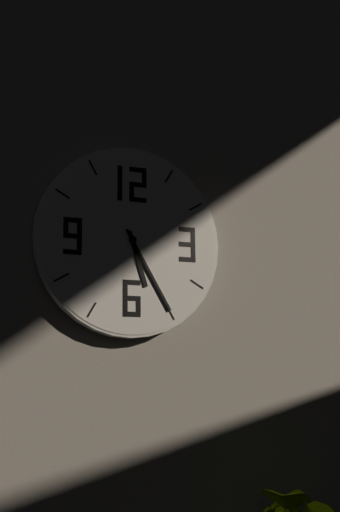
h=5 m=25
